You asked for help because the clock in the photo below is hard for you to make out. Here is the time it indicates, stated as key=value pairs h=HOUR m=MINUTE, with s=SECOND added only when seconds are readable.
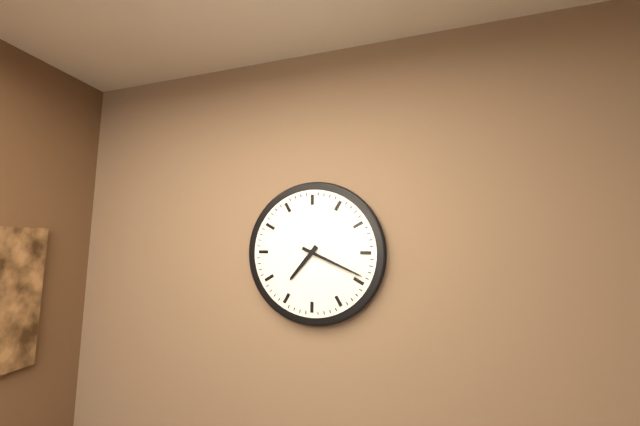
h=7 m=19
